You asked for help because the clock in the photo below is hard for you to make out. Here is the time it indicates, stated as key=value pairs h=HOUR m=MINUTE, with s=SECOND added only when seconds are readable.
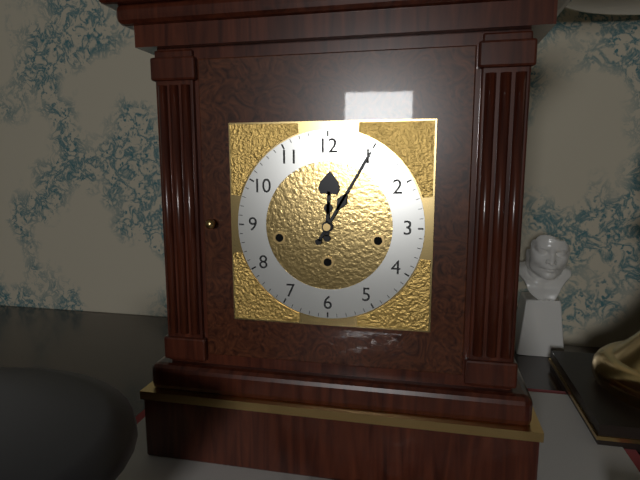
h=12 m=5
